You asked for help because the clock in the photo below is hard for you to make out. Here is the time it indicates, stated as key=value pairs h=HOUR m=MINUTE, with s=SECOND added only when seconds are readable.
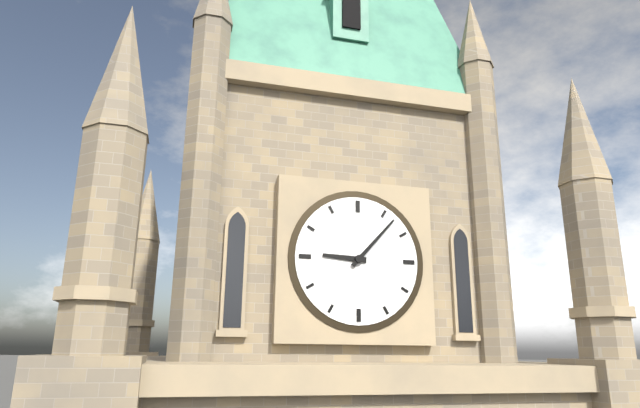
h=9 m=7
